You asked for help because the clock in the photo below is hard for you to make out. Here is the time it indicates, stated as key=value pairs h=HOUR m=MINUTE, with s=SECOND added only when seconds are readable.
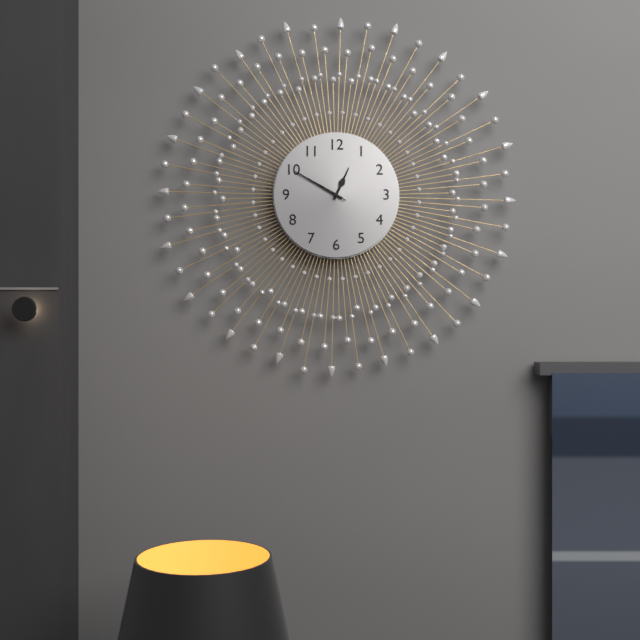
h=12 m=50 s=50
